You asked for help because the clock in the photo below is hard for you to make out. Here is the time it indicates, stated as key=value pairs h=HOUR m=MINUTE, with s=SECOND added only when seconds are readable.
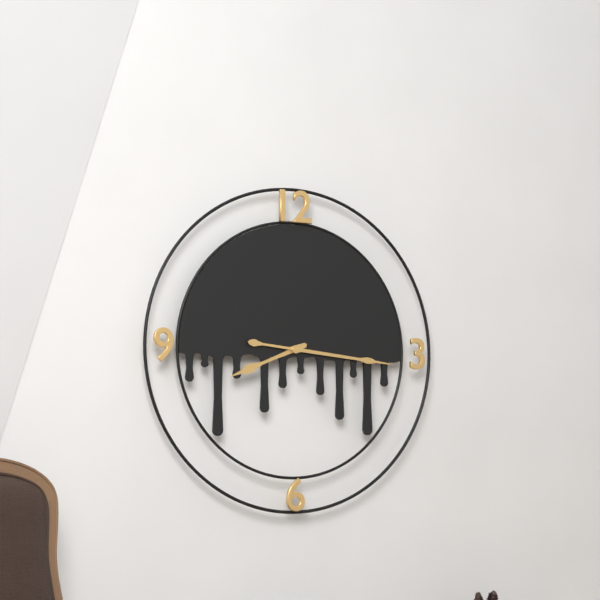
h=8 m=16
